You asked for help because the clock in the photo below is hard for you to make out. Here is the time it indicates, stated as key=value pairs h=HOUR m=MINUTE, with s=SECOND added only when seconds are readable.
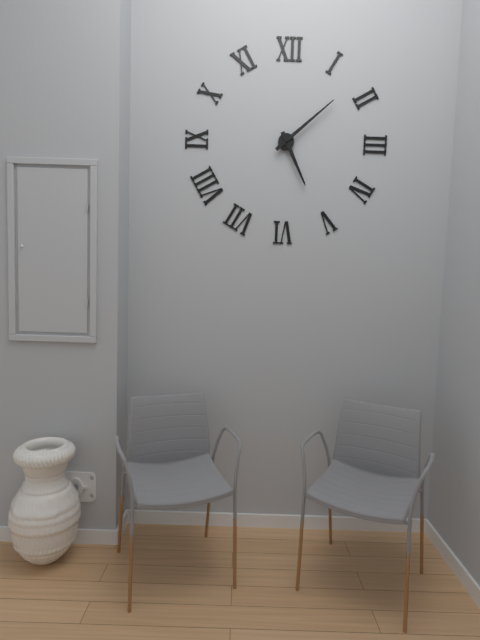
h=5 m=8
